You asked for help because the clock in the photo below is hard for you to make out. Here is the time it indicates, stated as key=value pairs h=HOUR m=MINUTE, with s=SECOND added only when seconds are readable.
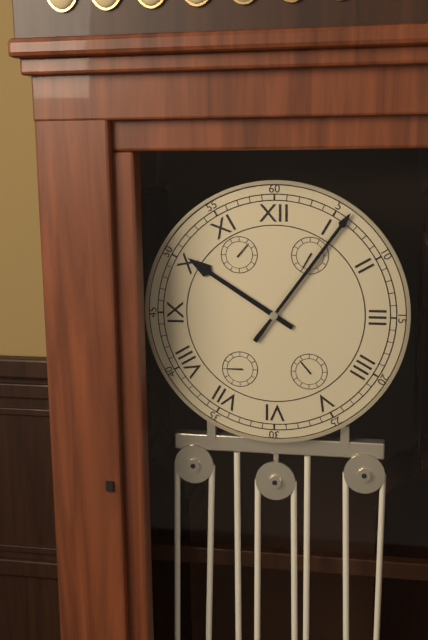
h=10 m=6
